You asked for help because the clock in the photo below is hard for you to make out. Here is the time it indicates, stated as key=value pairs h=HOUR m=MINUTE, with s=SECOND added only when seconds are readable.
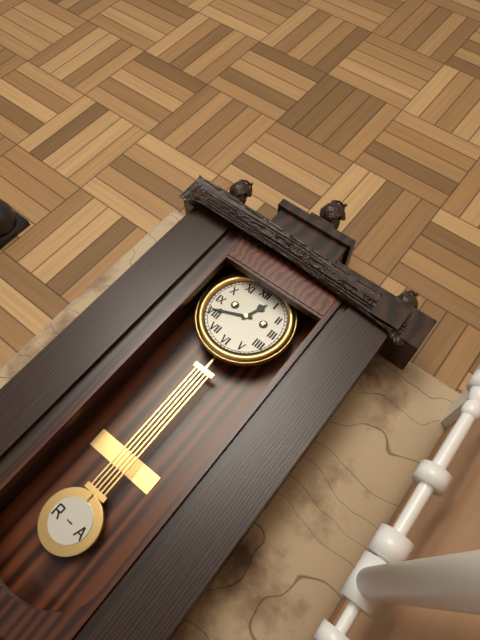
h=12 m=41
